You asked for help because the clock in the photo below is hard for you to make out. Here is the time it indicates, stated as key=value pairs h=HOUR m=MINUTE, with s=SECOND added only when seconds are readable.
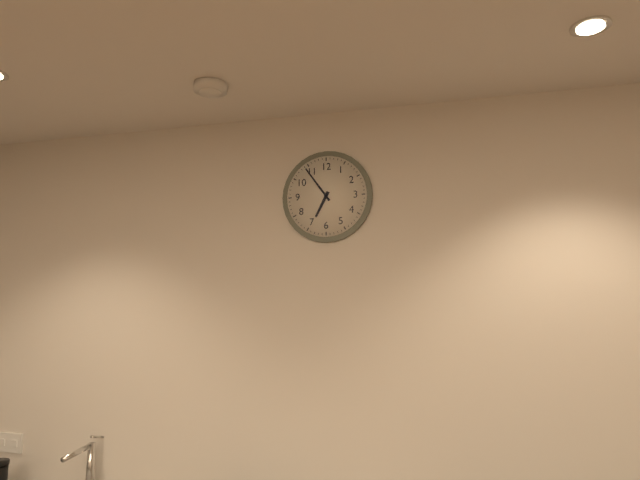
h=6 m=54
